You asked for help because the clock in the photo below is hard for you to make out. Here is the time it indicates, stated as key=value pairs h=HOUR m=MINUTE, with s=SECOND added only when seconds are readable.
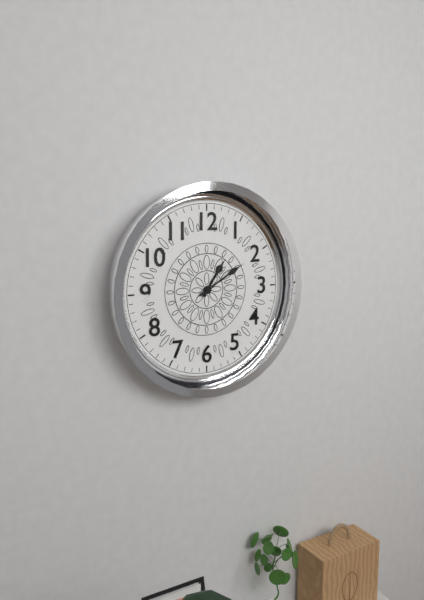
h=1 m=10
